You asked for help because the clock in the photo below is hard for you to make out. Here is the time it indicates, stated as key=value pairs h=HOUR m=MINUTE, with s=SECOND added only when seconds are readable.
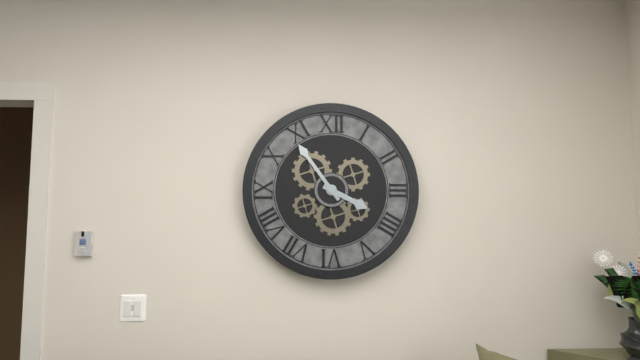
h=3 m=54
